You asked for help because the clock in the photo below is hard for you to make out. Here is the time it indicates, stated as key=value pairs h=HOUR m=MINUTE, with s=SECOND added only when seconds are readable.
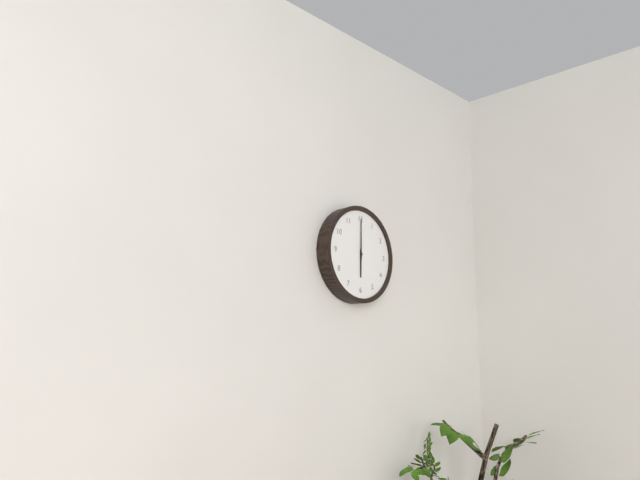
h=6 m=0
